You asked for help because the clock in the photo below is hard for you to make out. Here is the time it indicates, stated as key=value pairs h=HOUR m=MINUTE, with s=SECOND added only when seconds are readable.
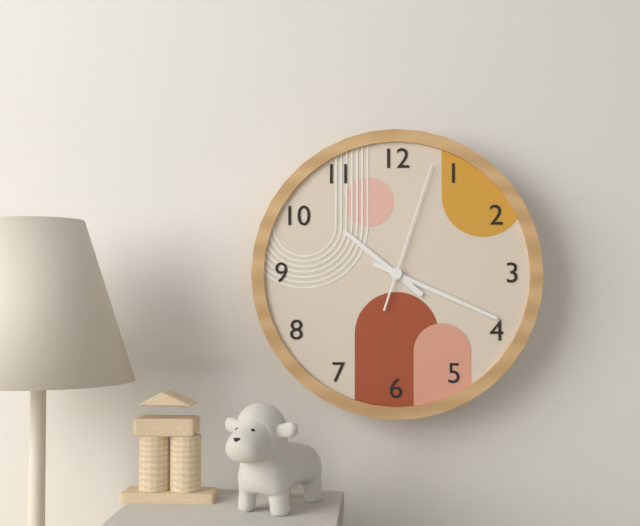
h=10 m=19 s=3
